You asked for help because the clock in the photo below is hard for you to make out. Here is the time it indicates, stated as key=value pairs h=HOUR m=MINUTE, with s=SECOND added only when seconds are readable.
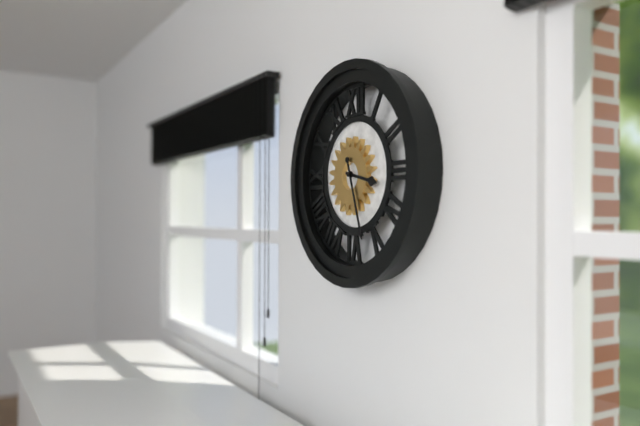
h=3 m=27
